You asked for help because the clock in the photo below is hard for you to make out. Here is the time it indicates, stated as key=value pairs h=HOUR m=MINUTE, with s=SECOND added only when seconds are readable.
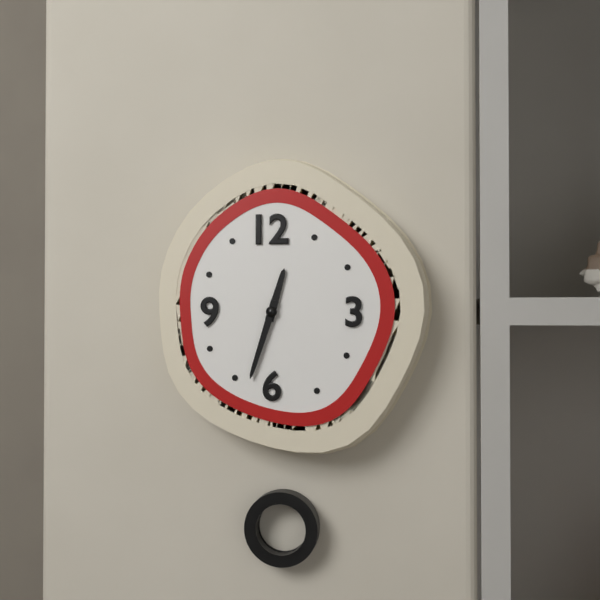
h=12 m=33
